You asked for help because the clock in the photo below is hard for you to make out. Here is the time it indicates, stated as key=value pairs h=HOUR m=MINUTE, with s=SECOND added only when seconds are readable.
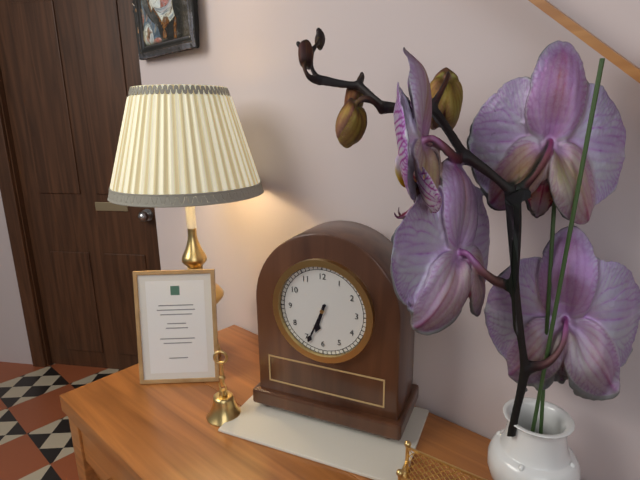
h=6 m=34
